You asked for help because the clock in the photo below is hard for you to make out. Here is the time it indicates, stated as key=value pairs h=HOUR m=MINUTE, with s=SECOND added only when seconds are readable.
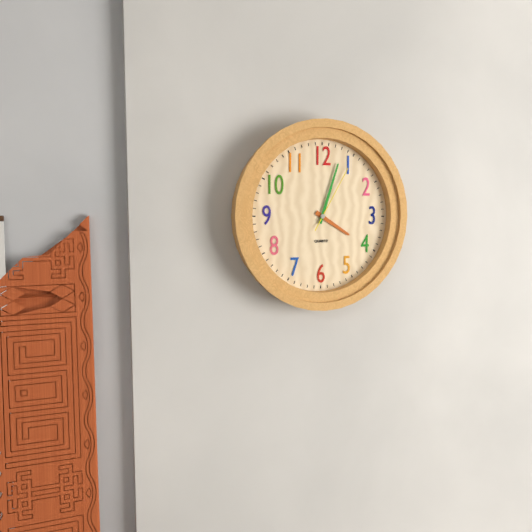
h=4 m=3 s=5
